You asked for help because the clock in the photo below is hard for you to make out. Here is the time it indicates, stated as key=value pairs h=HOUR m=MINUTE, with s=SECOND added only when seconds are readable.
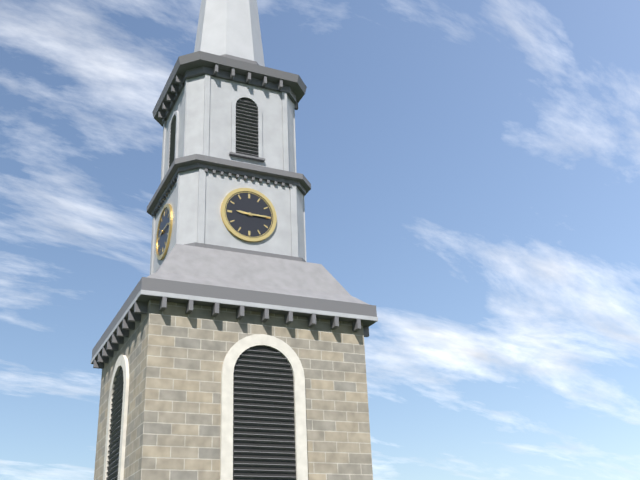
h=9 m=15
